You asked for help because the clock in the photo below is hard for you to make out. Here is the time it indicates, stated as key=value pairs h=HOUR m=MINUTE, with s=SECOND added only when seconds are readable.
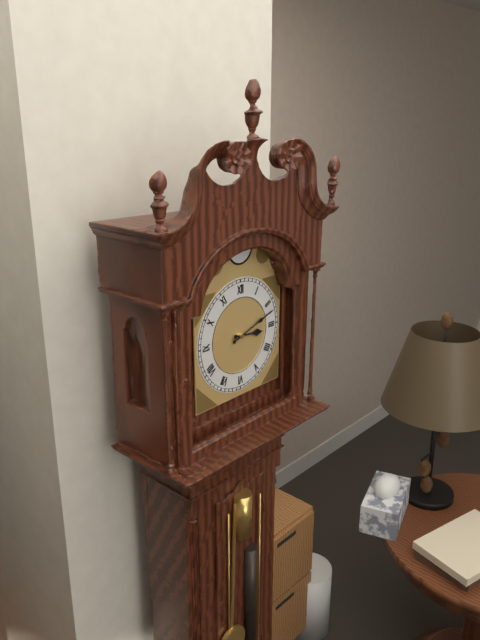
h=3 m=12
